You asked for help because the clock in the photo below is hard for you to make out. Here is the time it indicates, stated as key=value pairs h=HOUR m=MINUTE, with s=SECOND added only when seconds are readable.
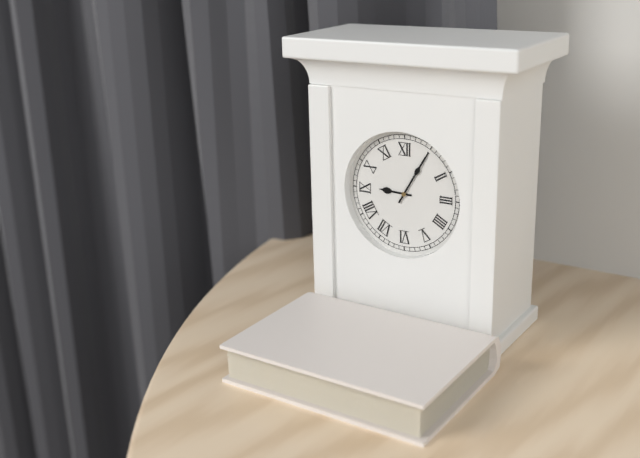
h=9 m=5
